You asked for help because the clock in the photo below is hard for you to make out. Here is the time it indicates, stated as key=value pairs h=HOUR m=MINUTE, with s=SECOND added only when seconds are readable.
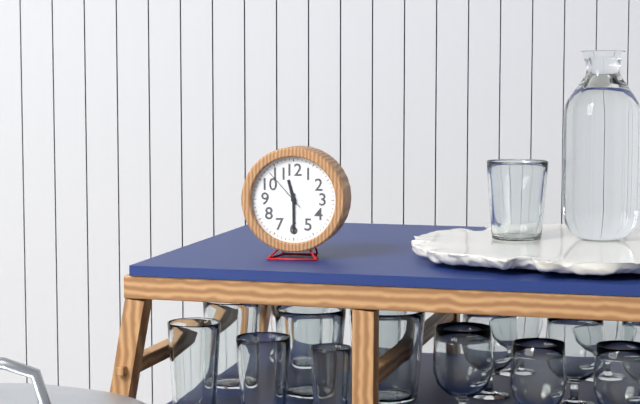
h=11 m=30
